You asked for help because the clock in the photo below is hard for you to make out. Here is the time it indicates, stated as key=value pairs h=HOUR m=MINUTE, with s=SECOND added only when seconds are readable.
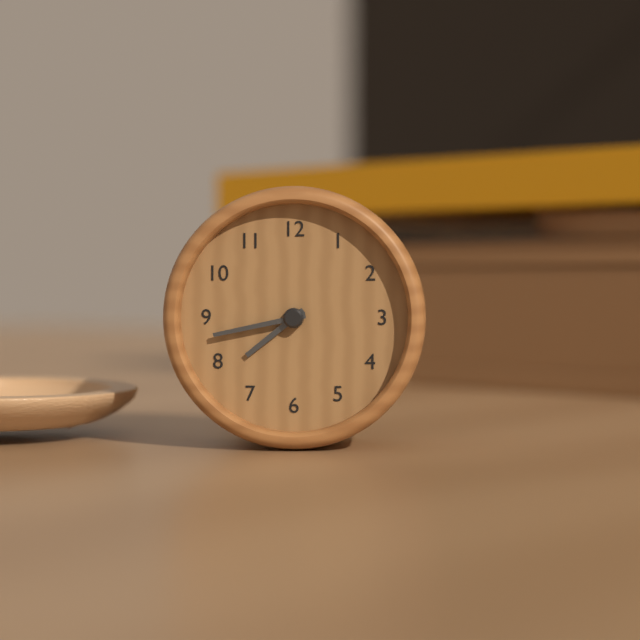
h=7 m=43
